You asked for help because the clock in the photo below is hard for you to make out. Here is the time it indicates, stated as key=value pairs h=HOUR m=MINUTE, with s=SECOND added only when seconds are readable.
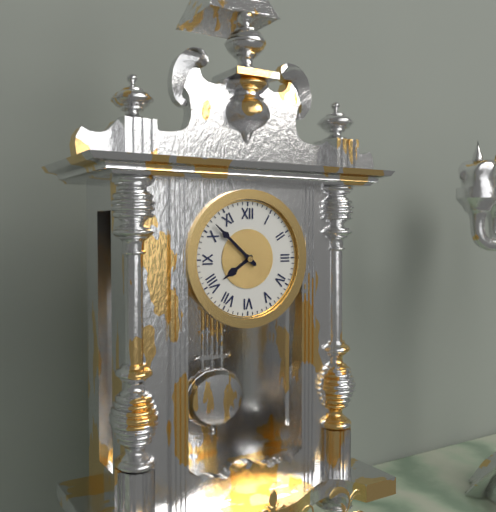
h=7 m=52
